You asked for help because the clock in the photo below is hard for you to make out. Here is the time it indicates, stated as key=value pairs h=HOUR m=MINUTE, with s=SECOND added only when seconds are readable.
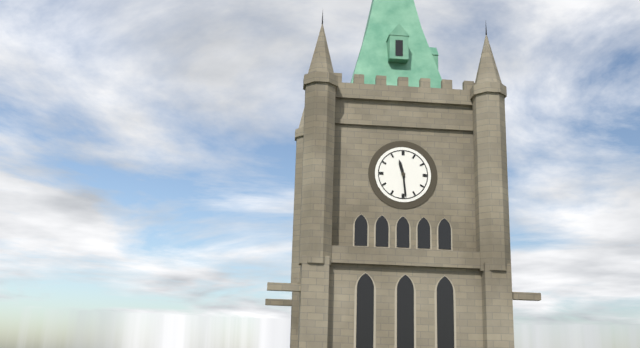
h=11 m=29
